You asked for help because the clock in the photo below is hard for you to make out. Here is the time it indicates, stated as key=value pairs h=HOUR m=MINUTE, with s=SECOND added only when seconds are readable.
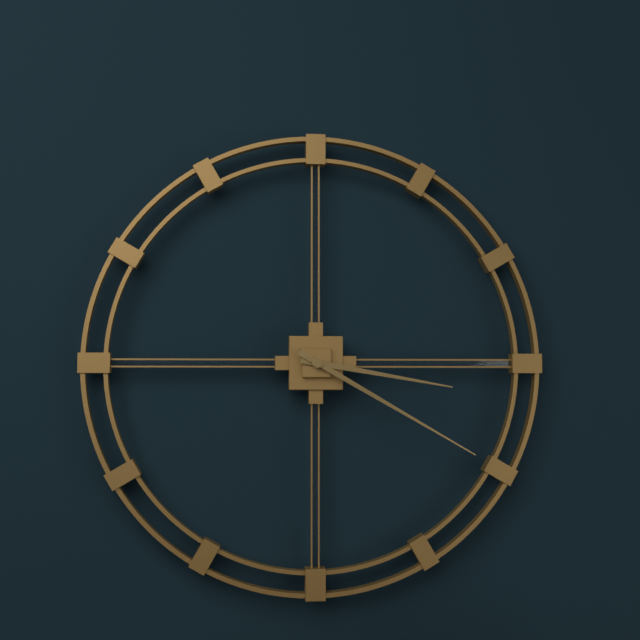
h=3 m=20
